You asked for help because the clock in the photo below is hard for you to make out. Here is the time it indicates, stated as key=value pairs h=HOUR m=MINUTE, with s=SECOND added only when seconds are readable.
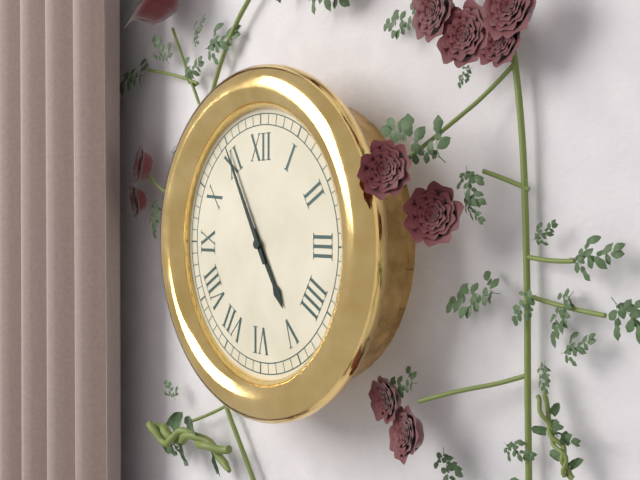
h=4 m=55
